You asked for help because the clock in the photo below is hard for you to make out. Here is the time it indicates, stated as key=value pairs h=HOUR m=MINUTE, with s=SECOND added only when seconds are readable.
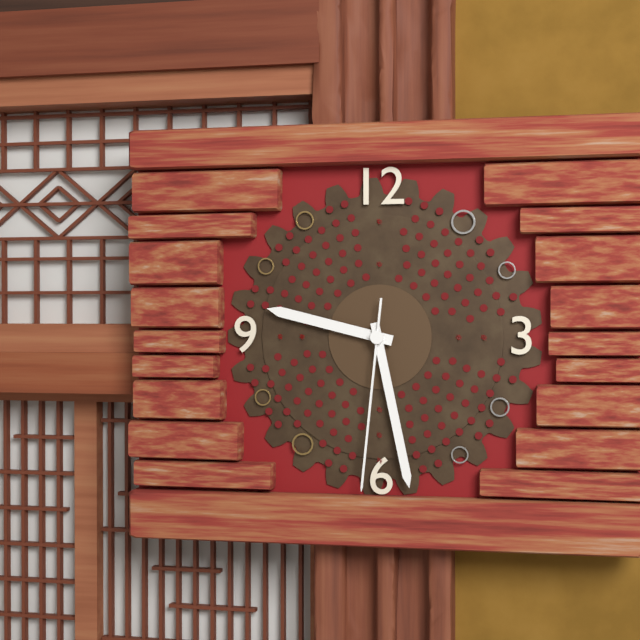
h=9 m=28 s=31
